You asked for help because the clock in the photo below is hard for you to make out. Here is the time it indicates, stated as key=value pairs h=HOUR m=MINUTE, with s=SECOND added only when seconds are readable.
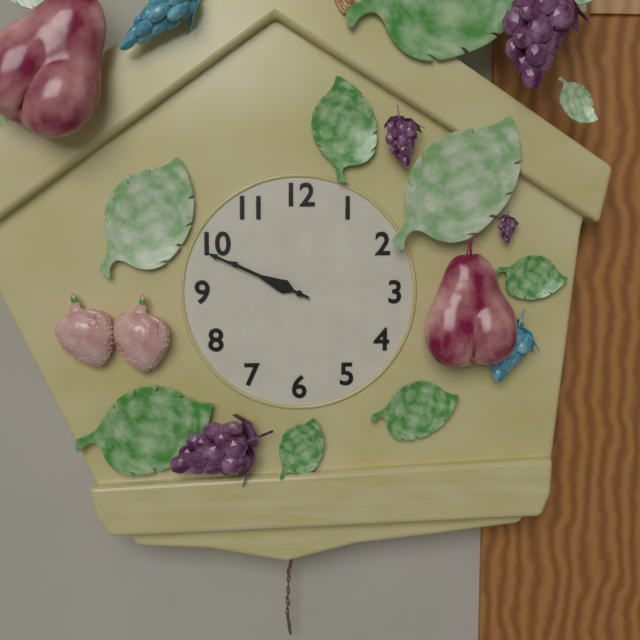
h=9 m=49
